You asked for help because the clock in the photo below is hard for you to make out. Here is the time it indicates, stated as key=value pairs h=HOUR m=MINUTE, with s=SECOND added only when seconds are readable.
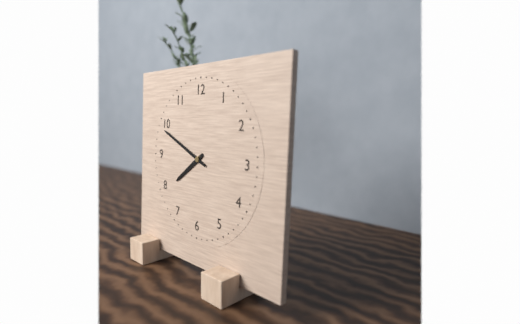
h=7 m=49
